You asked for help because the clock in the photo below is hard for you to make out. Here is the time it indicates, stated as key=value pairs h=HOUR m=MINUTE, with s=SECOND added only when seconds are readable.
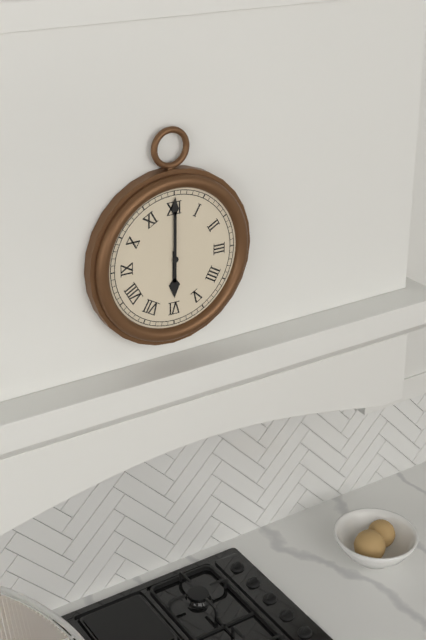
h=6 m=0
